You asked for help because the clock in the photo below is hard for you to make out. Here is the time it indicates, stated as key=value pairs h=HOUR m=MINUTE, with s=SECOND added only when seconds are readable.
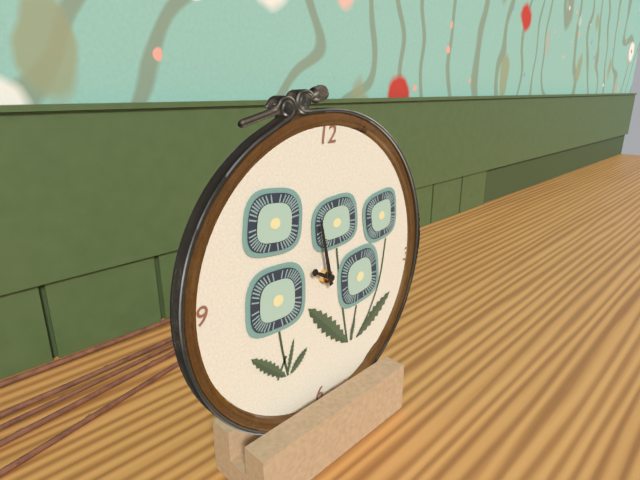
h=9 m=58
